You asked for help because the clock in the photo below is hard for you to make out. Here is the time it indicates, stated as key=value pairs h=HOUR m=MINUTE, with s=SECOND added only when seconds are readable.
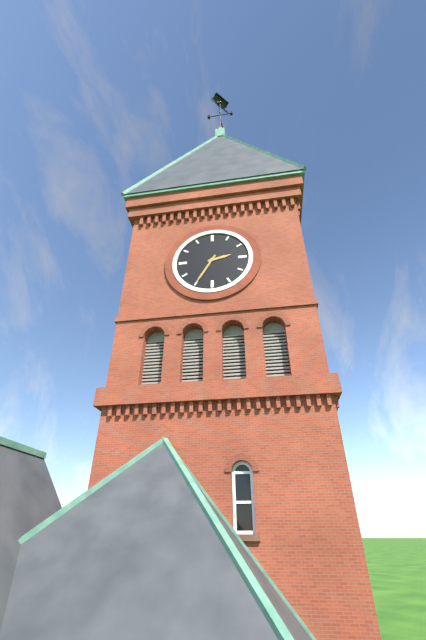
h=2 m=35
